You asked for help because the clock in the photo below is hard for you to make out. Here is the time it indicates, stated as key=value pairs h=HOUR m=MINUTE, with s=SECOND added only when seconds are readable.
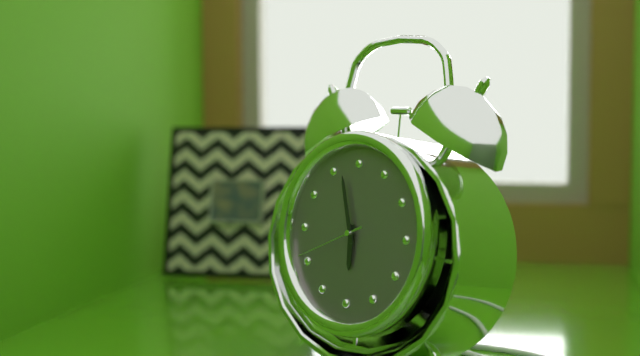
h=5 m=57 s=41
